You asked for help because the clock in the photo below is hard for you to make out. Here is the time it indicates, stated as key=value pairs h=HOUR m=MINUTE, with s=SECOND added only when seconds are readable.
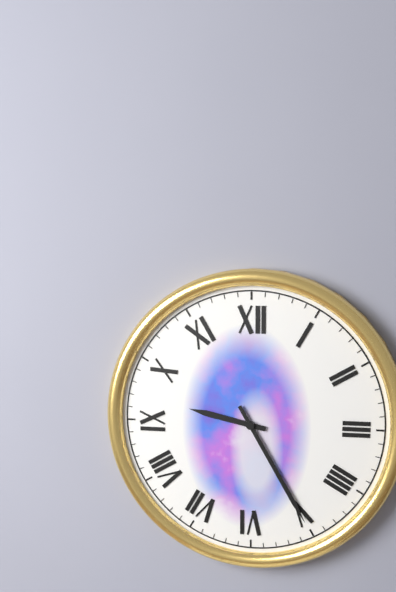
h=9 m=25
